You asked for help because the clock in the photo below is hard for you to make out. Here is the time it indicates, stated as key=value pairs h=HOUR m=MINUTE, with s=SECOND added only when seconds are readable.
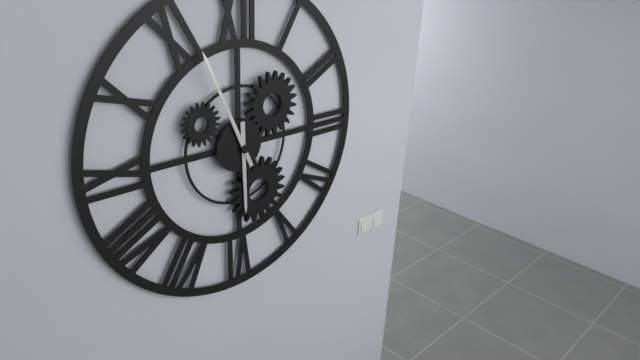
h=5 m=56
